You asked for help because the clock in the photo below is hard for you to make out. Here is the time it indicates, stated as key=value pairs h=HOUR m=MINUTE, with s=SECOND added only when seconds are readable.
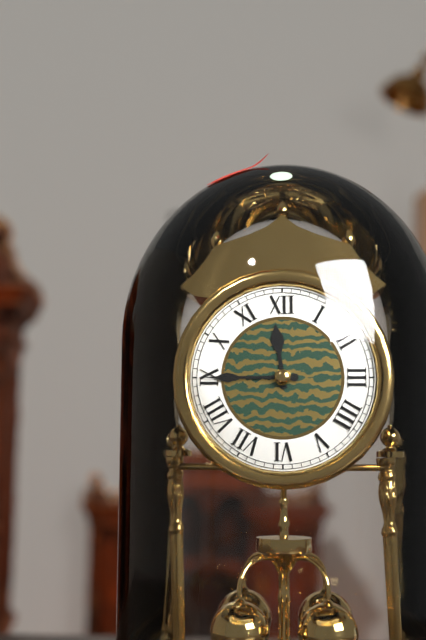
h=11 m=45
